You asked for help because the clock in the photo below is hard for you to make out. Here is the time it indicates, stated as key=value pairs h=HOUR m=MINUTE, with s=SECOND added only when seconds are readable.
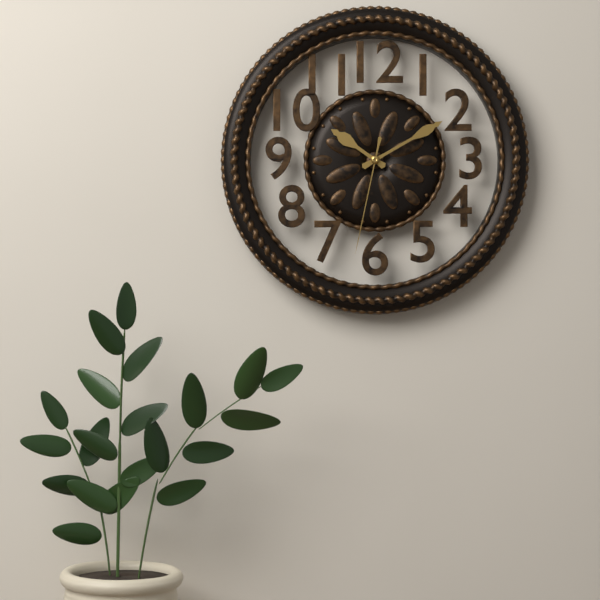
h=10 m=10 s=32
